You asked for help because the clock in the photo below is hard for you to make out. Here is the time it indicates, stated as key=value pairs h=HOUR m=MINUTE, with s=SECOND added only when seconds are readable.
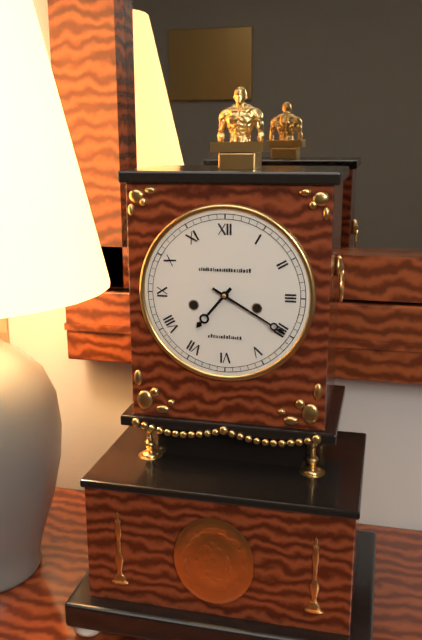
h=7 m=20
